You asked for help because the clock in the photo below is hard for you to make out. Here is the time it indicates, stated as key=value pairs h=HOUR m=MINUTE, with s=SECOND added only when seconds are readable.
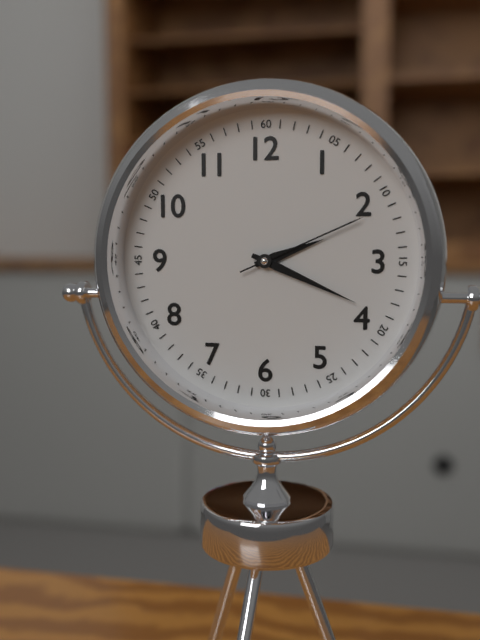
h=2 m=19 s=11
